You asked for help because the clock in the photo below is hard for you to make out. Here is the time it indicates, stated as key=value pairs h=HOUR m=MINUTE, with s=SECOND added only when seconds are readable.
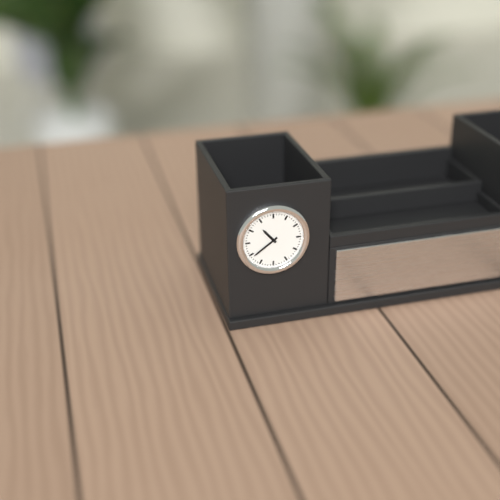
h=10 m=39
